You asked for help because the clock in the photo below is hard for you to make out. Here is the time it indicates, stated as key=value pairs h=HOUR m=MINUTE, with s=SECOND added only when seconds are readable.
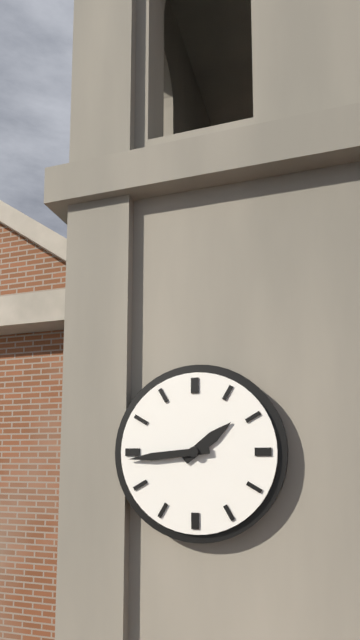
h=1 m=44
